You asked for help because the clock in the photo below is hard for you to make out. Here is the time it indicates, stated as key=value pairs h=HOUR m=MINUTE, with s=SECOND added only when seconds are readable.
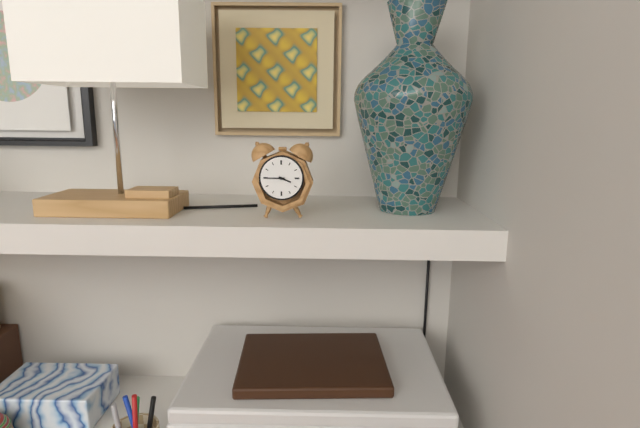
h=3 m=45
